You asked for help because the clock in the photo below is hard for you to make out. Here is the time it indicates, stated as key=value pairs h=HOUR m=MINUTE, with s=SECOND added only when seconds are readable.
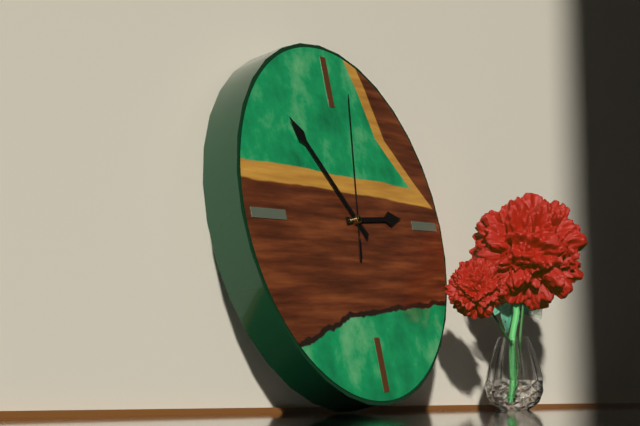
h=2 m=53 s=2
